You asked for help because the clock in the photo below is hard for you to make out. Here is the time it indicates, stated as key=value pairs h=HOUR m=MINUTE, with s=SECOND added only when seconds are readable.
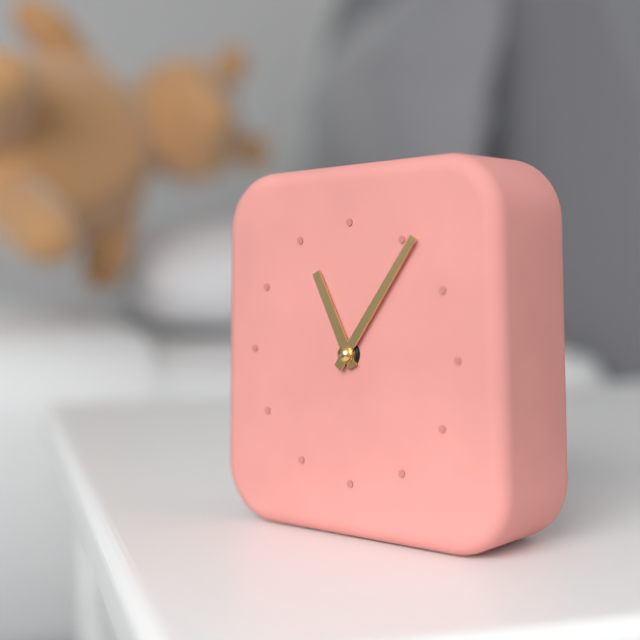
h=11 m=6
